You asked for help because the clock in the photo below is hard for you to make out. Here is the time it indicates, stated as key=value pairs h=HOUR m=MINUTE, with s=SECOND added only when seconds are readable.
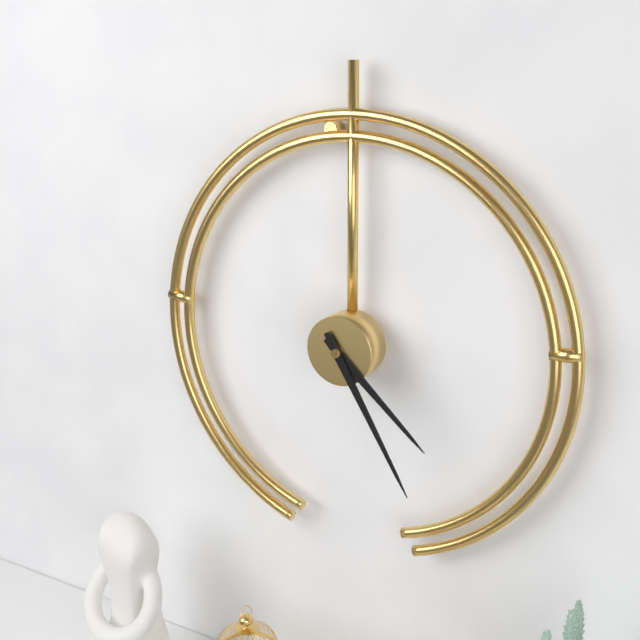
h=4 m=25
